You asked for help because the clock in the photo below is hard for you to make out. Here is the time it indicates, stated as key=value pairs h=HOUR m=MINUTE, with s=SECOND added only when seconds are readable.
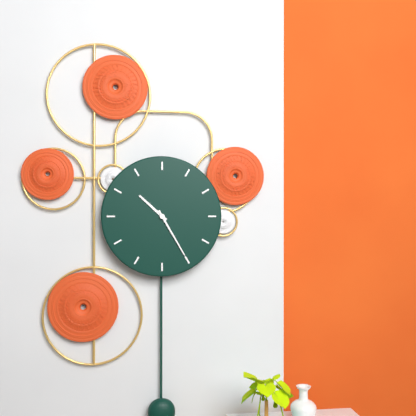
h=10 m=25
